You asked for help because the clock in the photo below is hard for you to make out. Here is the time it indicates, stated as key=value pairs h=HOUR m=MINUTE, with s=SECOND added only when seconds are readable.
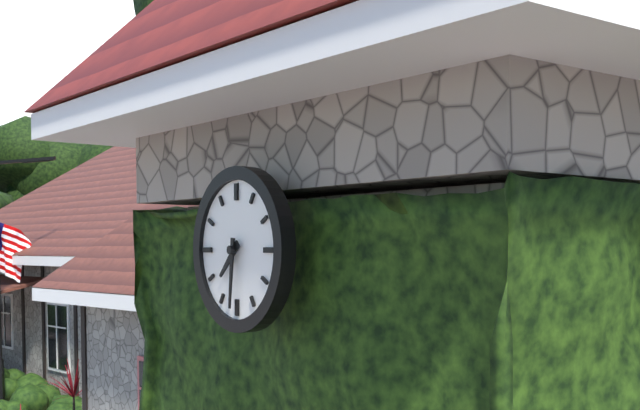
h=7 m=31
